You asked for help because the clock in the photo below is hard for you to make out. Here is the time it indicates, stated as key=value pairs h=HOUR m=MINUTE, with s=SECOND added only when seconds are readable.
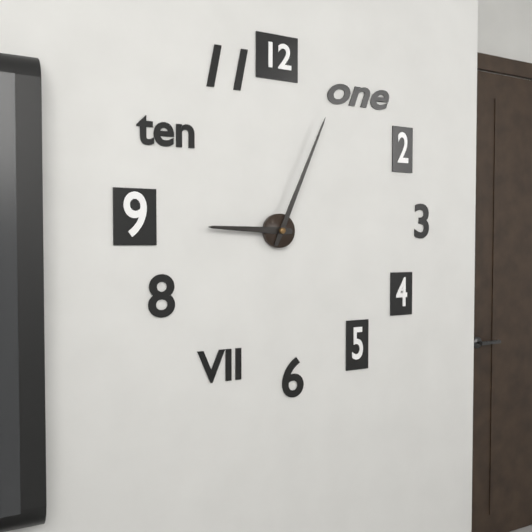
h=9 m=4
